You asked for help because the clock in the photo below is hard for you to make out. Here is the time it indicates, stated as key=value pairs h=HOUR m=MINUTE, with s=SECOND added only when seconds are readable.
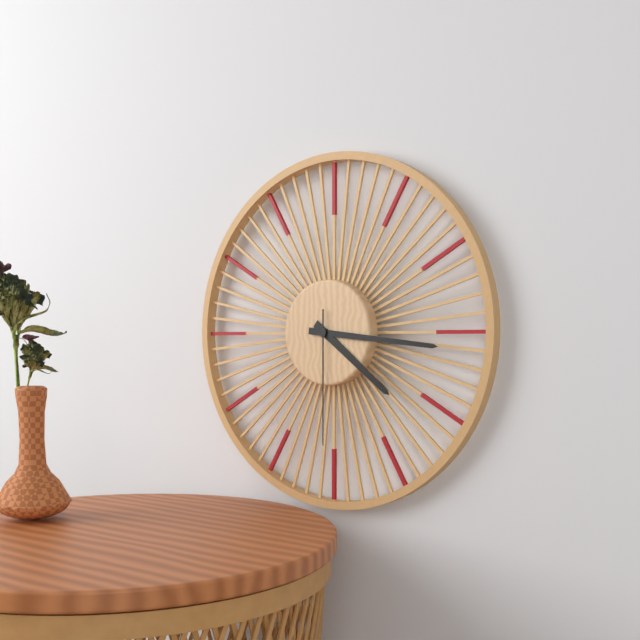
h=4 m=16 s=30
